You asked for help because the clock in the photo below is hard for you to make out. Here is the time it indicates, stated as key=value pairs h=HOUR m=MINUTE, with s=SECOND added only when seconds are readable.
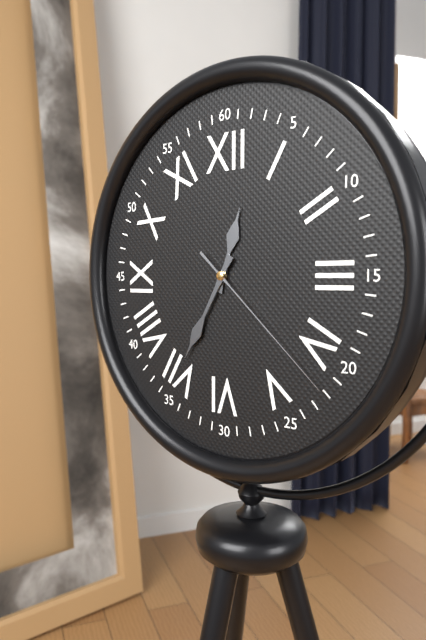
h=12 m=35 s=22
